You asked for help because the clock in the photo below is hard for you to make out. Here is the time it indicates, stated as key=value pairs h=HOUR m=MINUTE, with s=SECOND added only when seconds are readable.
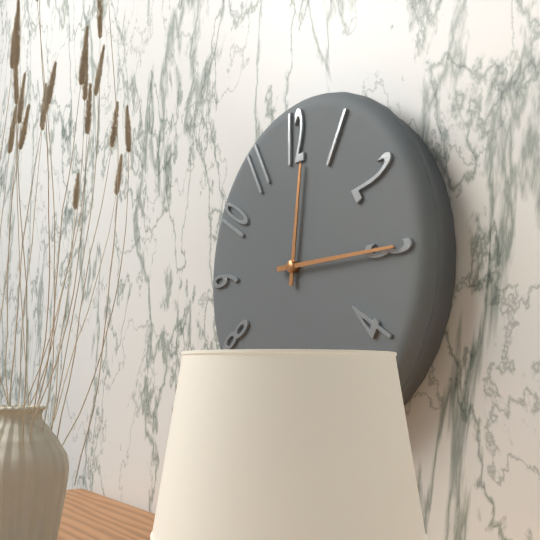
h=12 m=15
